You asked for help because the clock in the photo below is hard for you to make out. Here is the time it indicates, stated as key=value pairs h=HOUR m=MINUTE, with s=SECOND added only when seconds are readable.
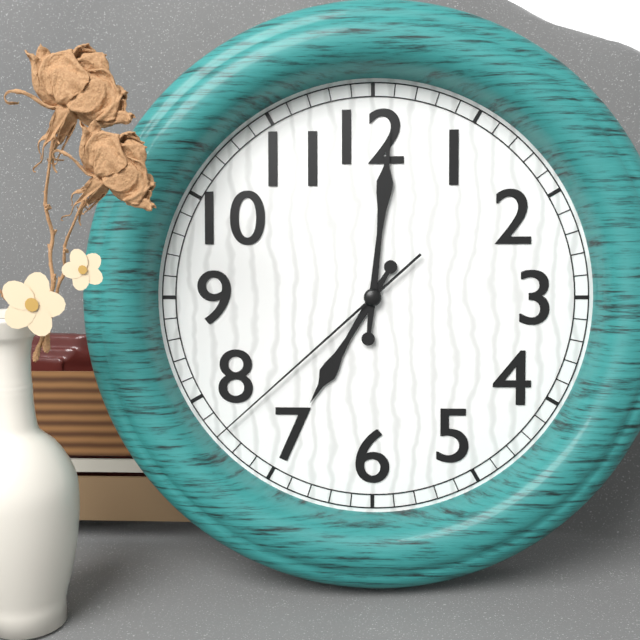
h=7 m=1 s=38
